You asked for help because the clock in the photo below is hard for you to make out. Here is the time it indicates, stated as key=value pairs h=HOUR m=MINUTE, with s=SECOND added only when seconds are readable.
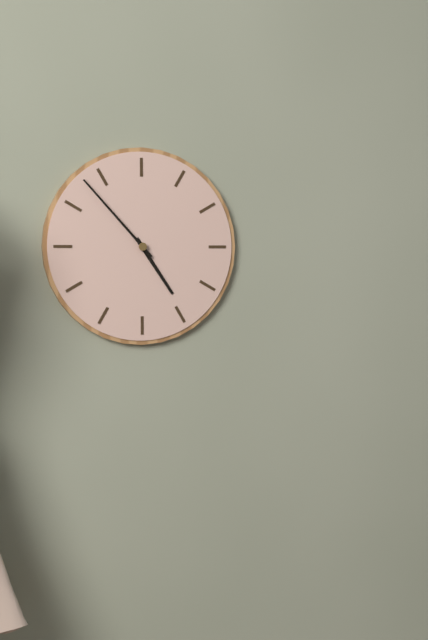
h=4 m=53
